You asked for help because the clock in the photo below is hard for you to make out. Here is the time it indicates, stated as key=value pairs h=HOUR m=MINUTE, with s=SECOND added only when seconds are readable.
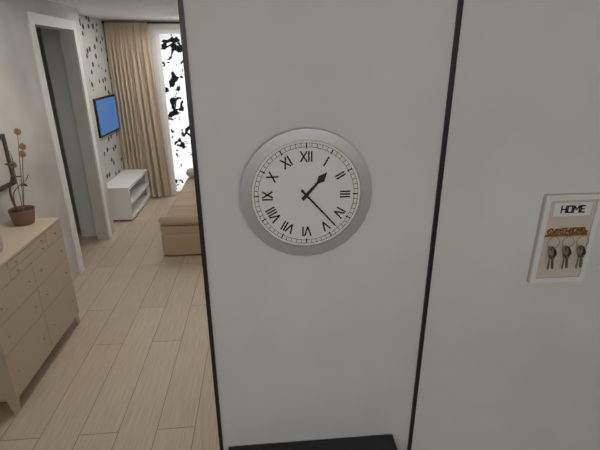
h=1 m=23
